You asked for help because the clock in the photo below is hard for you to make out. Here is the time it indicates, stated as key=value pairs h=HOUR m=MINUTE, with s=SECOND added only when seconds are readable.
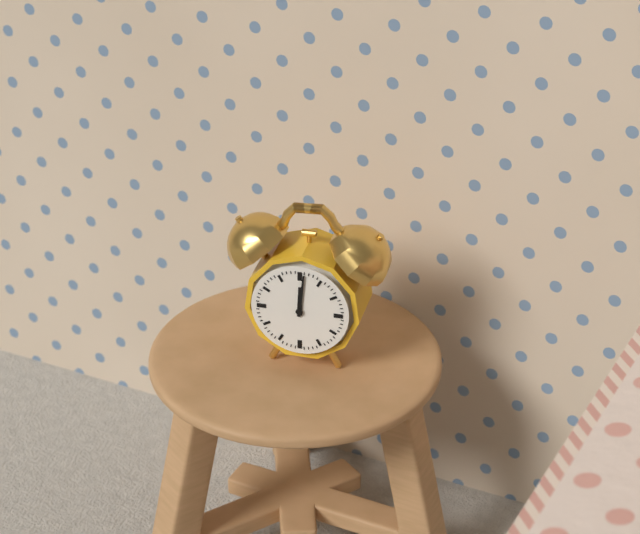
h=12 m=1
